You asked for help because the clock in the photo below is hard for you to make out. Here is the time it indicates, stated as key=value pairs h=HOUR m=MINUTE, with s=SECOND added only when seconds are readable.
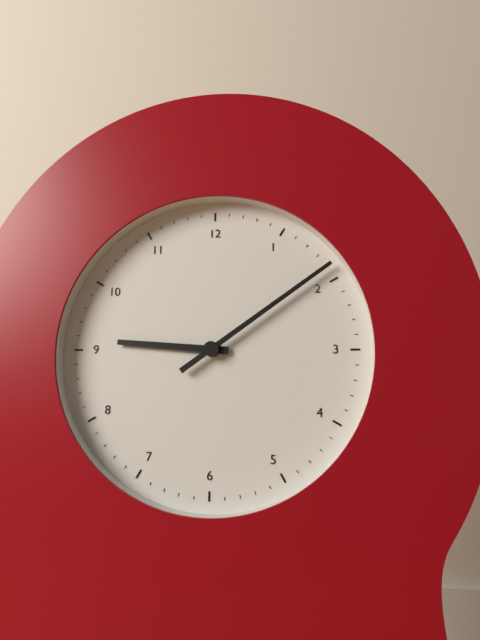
h=9 m=9
